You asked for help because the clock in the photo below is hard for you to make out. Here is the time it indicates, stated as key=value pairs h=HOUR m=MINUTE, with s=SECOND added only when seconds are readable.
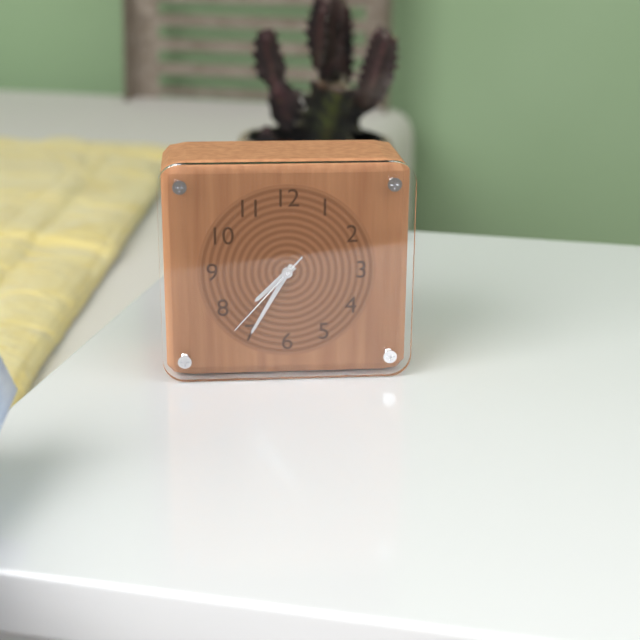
h=7 m=35 s=37
